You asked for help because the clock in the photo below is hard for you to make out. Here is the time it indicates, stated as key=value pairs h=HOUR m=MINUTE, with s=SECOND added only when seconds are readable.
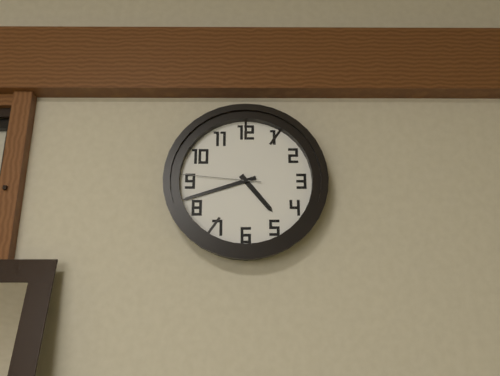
h=4 m=42 s=46
